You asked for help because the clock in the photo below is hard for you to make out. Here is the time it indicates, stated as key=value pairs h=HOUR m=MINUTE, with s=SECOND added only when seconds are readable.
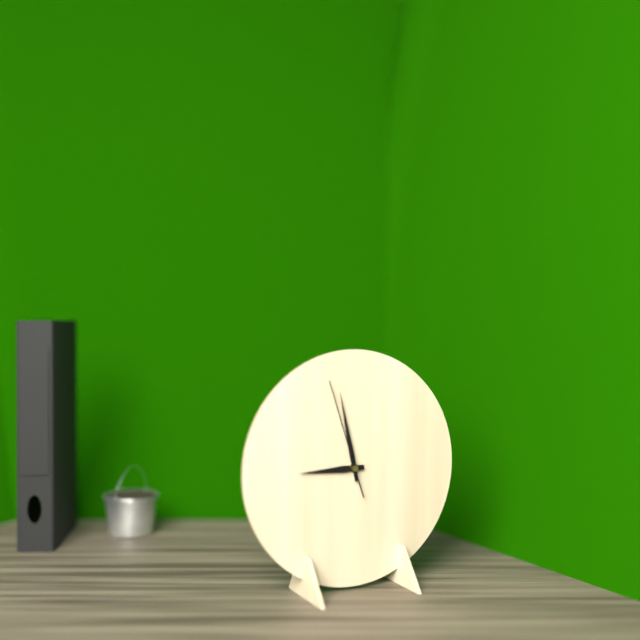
h=8 m=58 s=57
